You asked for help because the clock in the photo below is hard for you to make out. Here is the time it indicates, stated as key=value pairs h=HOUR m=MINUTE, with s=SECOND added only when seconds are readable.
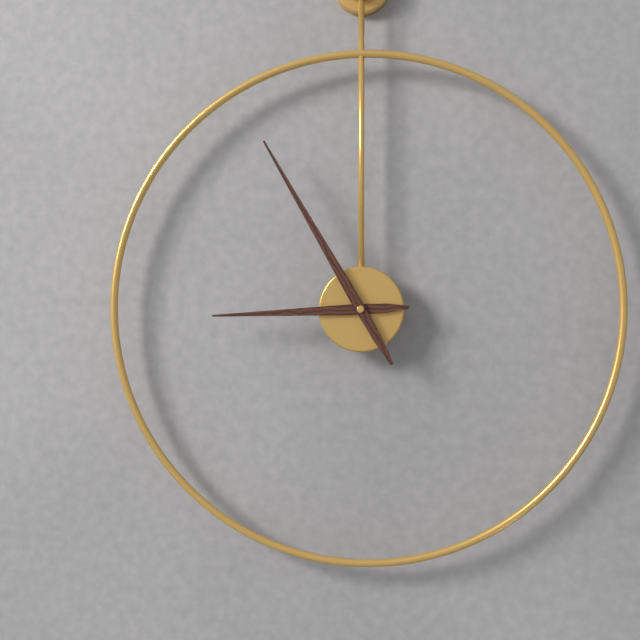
h=8 m=55
